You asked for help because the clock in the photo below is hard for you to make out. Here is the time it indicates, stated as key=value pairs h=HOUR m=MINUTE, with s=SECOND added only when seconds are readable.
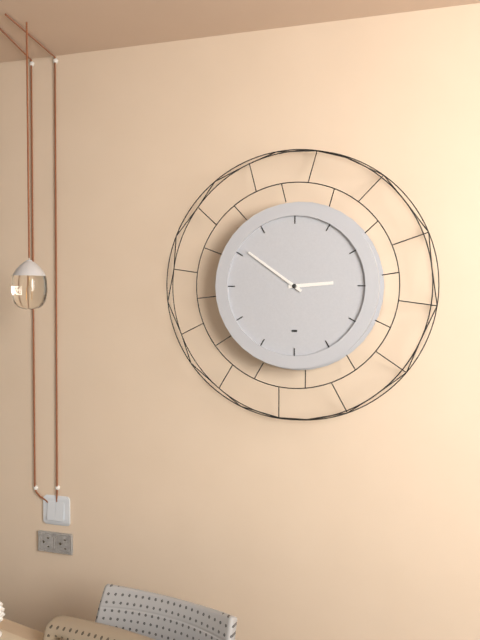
h=2 m=51
